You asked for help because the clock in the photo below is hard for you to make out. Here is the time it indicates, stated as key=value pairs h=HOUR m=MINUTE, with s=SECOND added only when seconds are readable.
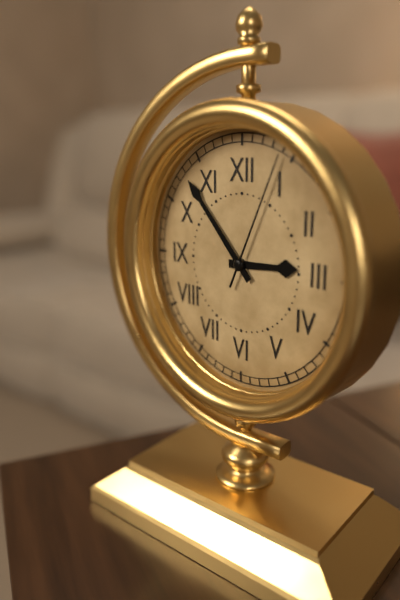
h=2 m=53 s=4
